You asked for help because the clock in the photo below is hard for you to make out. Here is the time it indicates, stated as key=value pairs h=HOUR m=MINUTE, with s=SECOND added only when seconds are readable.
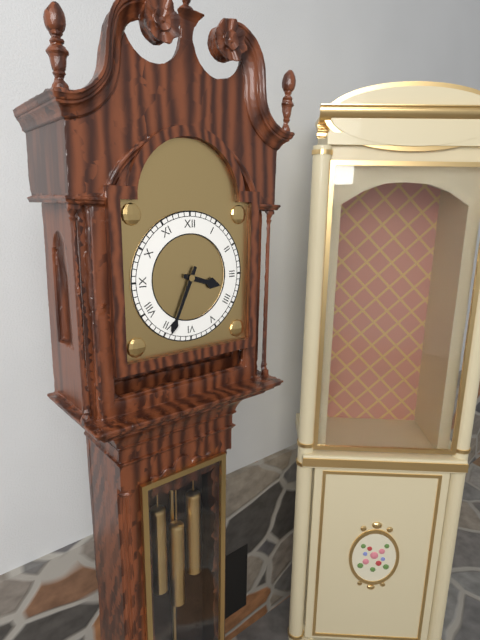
h=3 m=34
